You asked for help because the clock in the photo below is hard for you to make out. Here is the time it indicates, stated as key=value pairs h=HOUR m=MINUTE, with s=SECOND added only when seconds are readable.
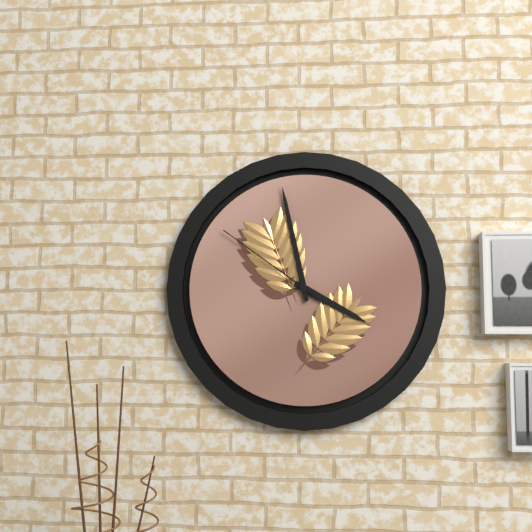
h=3 m=58 s=51
